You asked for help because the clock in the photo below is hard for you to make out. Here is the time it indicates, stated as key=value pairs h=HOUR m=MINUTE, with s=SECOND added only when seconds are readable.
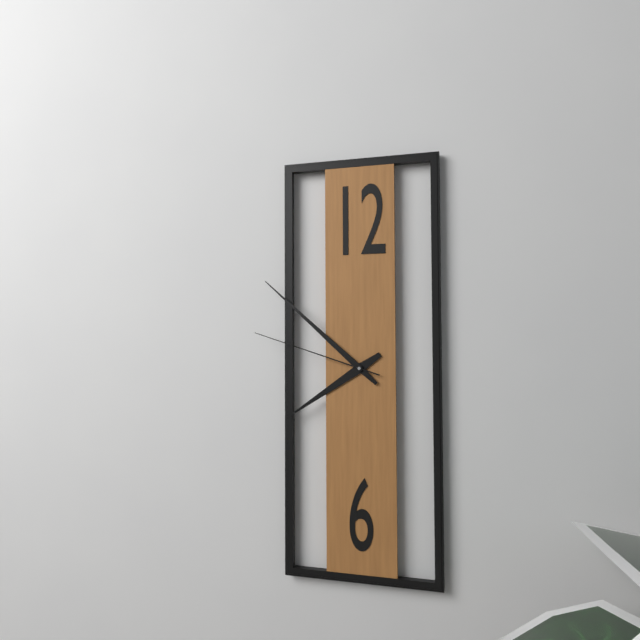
h=7 m=52 s=48
